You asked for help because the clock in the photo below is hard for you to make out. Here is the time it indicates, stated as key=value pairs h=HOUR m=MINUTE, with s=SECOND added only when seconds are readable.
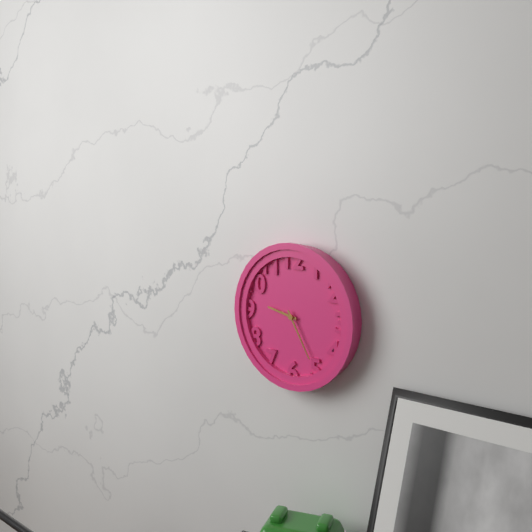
h=9 m=25
